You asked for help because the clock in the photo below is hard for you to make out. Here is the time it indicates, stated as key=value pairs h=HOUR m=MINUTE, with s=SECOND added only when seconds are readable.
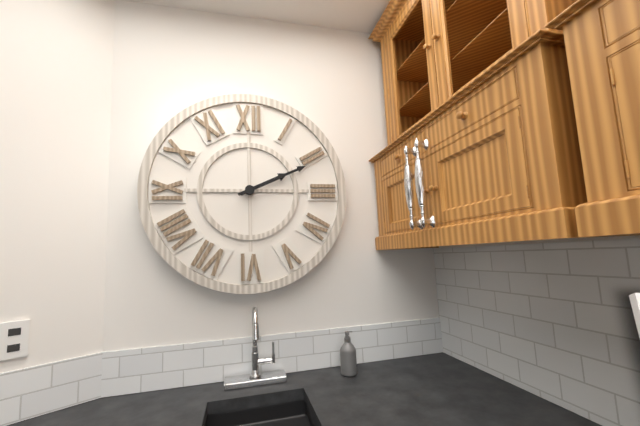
h=2 m=11
